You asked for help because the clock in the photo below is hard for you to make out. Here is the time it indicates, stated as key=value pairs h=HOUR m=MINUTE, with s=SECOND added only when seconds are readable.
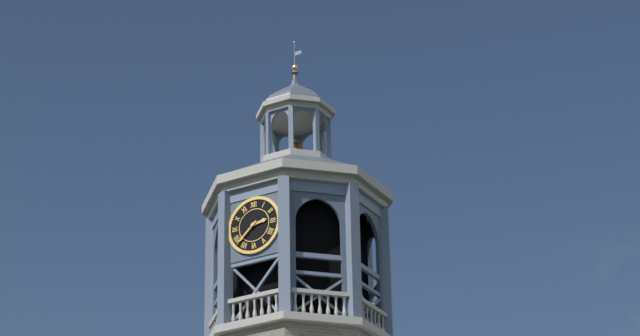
h=2 m=38
